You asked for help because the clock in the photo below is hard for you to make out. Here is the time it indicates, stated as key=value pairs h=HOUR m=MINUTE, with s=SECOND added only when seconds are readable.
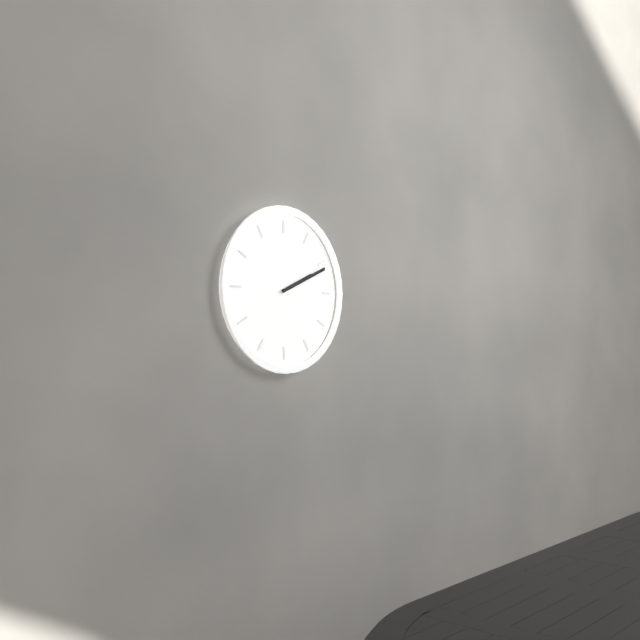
h=2 m=11
